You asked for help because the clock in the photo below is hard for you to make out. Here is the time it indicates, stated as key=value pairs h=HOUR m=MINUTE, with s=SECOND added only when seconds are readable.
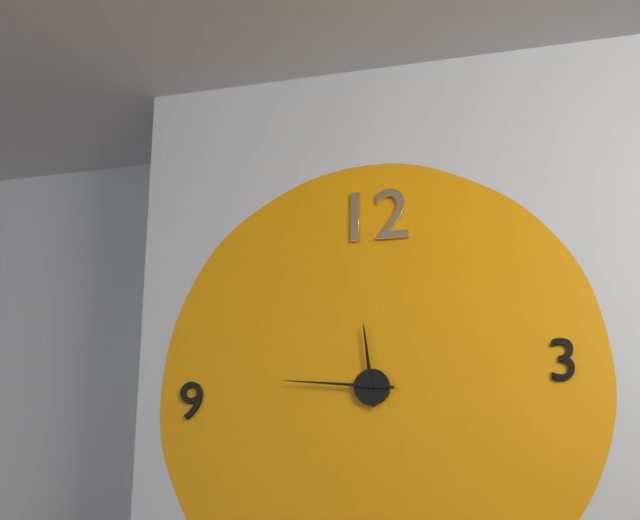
h=11 m=46
